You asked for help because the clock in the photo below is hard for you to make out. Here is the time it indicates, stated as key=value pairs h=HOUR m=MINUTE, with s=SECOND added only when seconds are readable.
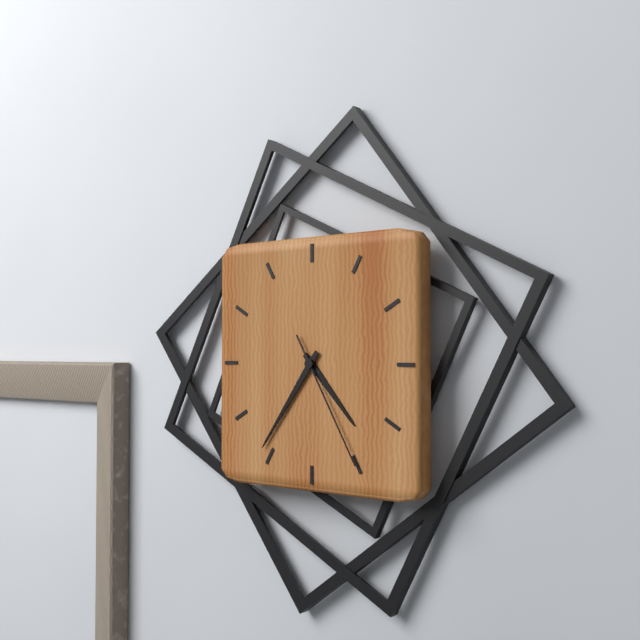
h=4 m=36 s=25
